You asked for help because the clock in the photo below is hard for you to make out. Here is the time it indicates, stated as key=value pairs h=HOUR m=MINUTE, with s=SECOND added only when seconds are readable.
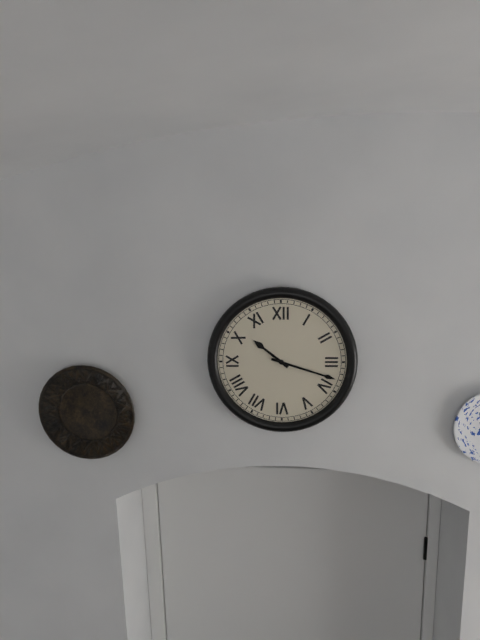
h=10 m=18
